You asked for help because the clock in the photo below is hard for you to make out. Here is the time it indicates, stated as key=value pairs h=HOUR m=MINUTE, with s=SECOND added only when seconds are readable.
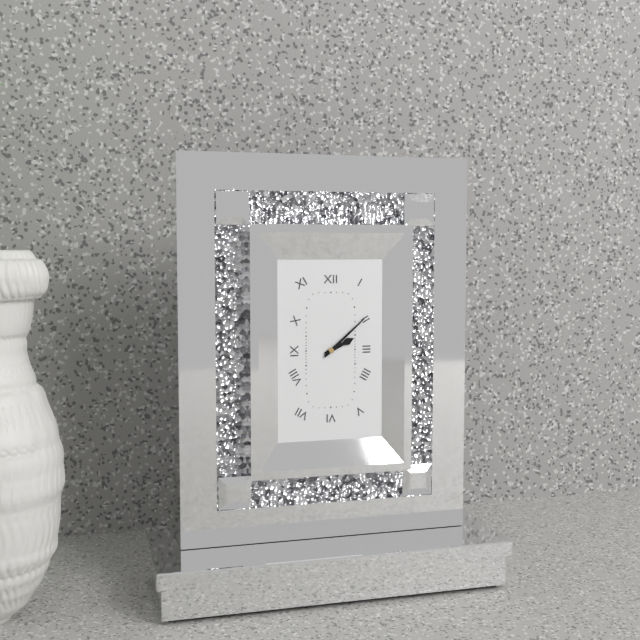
h=2 m=8
